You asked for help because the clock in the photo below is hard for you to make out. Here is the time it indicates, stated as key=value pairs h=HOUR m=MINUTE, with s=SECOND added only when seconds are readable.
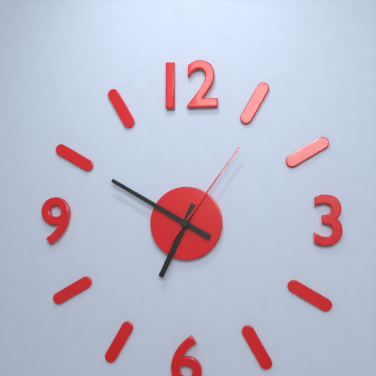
h=6 m=50 s=6
